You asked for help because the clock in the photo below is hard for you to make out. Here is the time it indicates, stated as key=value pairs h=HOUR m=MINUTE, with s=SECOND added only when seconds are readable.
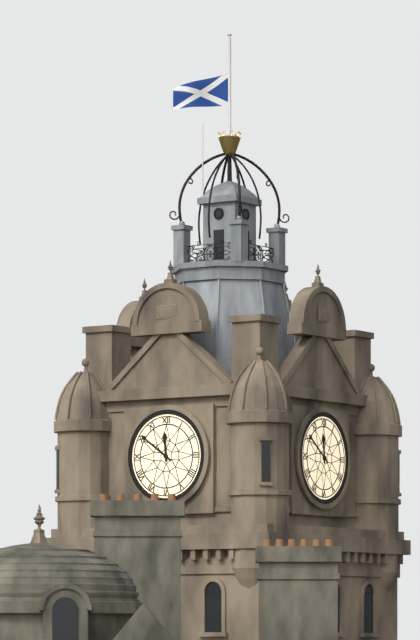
h=11 m=51
